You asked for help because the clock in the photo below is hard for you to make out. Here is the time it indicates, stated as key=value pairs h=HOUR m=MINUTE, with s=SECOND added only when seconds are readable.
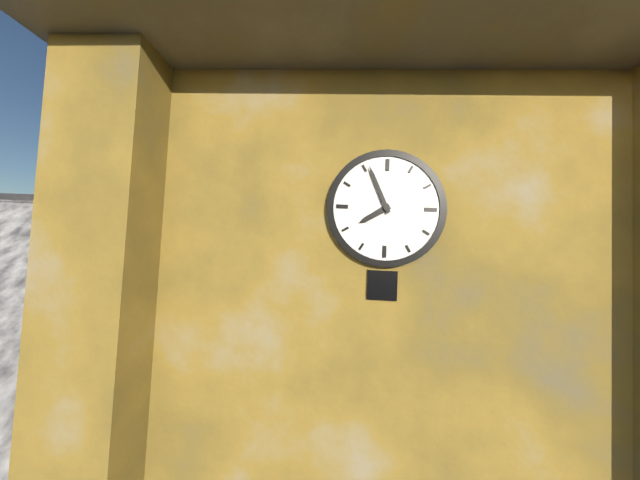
h=7 m=56
